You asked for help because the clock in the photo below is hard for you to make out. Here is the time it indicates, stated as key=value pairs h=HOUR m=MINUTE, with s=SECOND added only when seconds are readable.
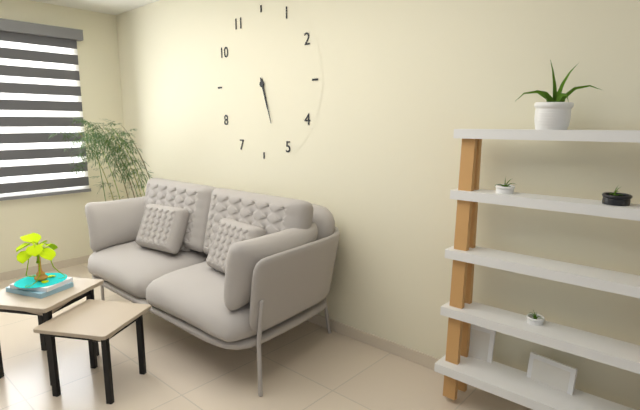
h=5 m=27
